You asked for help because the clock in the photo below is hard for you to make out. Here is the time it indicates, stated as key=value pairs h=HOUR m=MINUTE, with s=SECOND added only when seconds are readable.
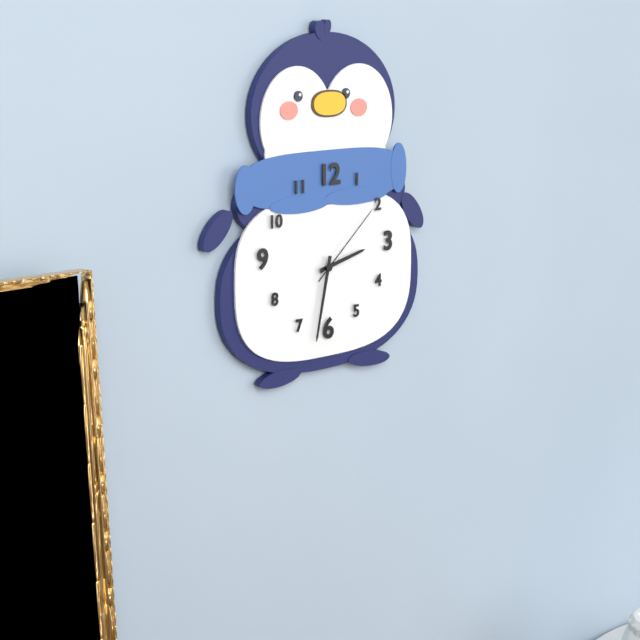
h=2 m=32 s=8
